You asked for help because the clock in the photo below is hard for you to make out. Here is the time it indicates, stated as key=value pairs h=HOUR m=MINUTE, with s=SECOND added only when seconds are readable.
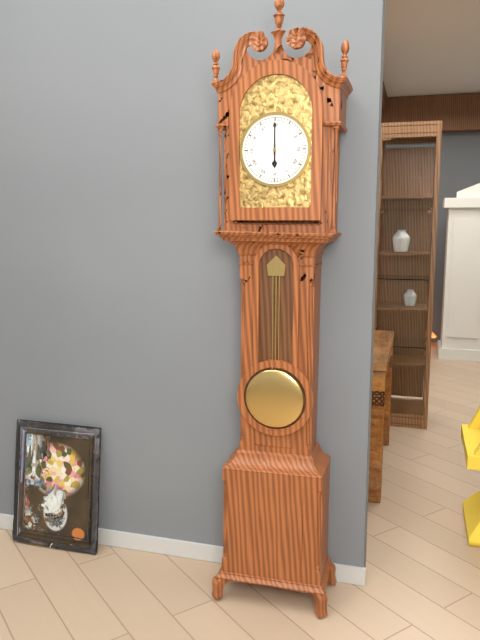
h=6 m=0
